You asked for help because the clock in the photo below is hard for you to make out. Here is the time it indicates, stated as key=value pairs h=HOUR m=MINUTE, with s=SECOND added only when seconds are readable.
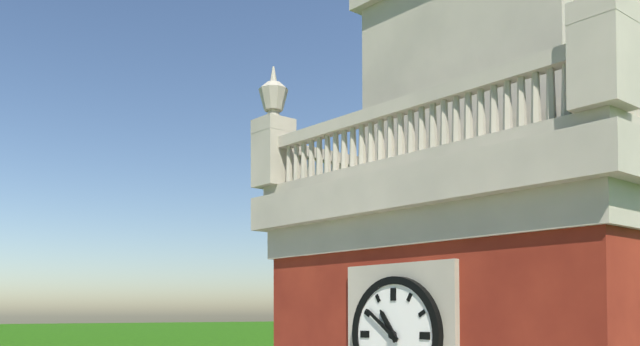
h=10 m=51
